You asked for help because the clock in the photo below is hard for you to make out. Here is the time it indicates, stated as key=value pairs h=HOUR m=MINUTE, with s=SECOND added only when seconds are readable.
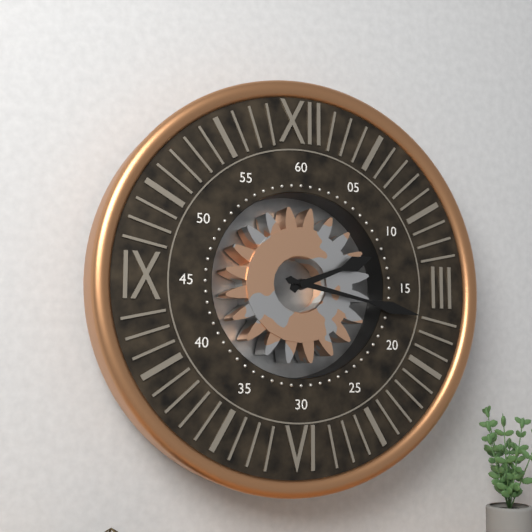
h=2 m=17
